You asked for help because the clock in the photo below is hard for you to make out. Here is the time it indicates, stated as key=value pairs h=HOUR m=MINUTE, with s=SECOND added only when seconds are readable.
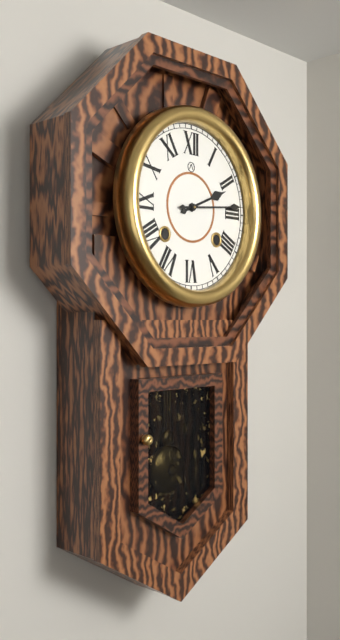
h=2 m=14
